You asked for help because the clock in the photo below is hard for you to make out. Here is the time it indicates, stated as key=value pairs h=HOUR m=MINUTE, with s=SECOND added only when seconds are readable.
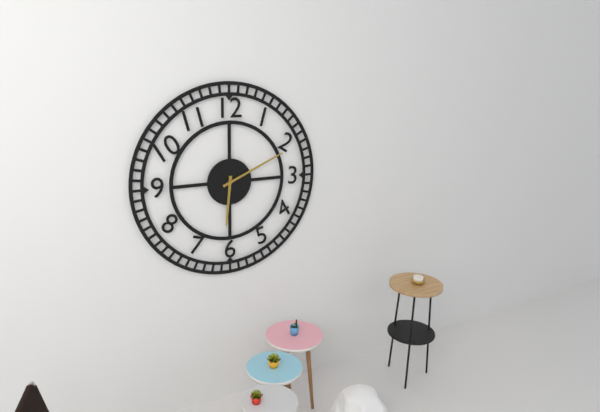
h=6 m=11
